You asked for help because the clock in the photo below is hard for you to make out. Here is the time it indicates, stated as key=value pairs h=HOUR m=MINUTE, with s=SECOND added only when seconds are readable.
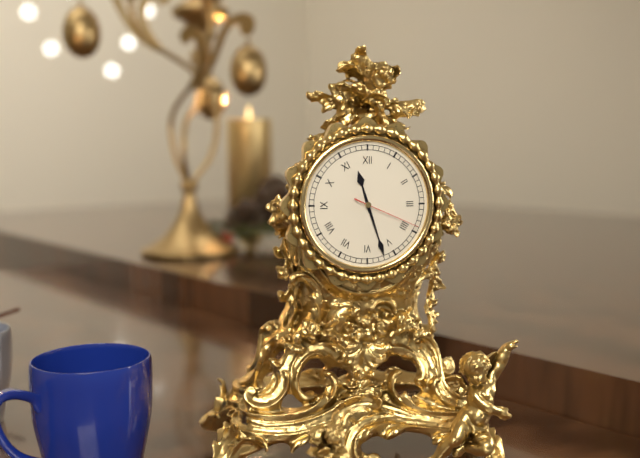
h=11 m=27 s=19
